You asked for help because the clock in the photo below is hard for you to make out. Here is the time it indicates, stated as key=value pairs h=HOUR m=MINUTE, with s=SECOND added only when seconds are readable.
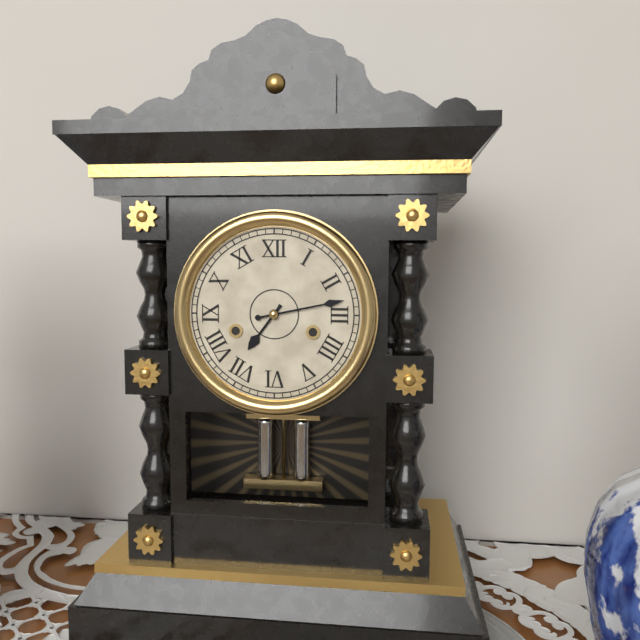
h=7 m=13
